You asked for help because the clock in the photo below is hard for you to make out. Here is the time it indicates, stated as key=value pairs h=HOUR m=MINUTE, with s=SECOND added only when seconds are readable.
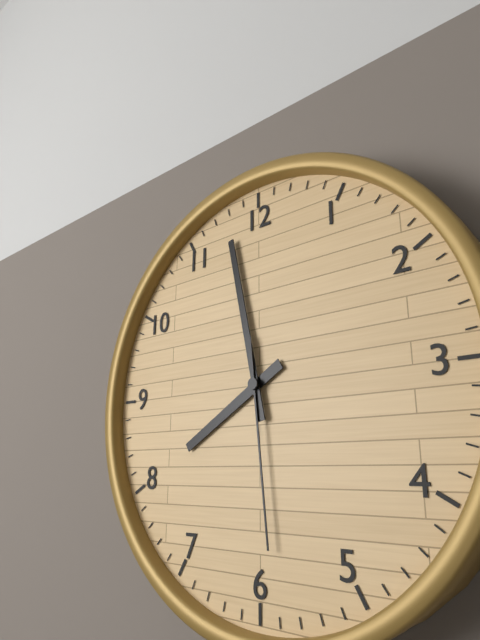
h=7 m=58 s=29
